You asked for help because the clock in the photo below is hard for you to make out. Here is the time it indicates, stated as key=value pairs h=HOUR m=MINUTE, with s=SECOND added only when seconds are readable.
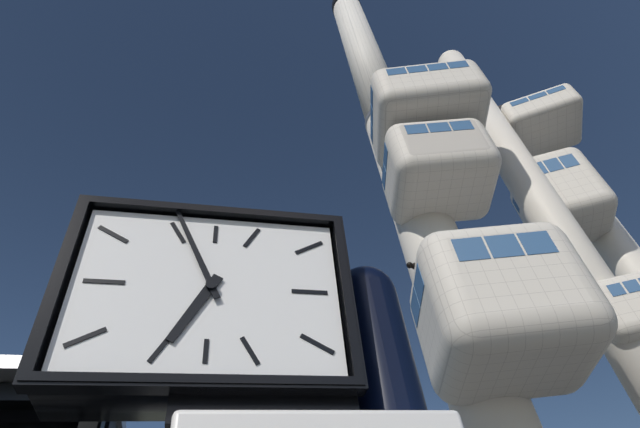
h=6 m=56
